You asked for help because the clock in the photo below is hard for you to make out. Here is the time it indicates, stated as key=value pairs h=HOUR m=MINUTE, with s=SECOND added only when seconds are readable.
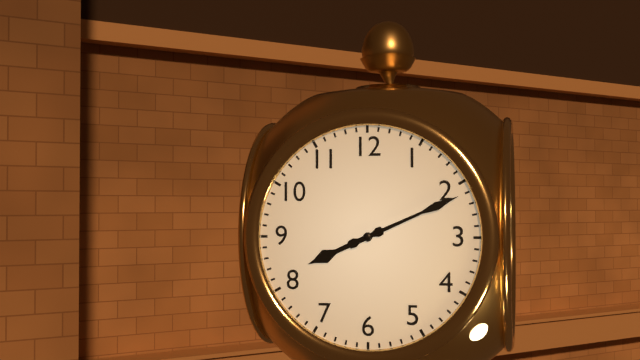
h=8 m=11
